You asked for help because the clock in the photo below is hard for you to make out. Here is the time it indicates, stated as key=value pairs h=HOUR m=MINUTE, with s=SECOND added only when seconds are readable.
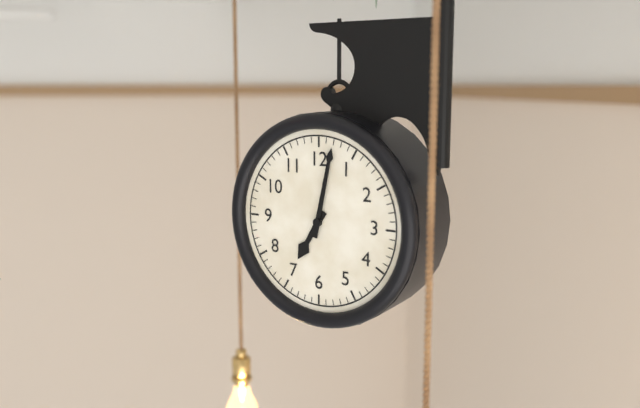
h=7 m=2
